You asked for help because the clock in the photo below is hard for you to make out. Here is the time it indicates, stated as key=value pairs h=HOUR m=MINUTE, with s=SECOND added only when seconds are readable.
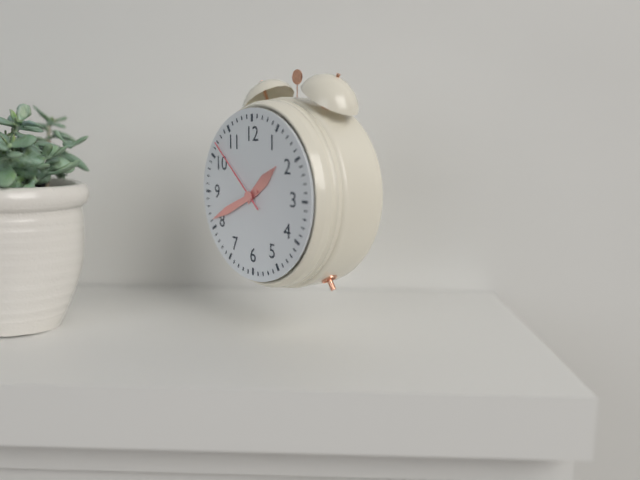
h=1 m=41 s=52
